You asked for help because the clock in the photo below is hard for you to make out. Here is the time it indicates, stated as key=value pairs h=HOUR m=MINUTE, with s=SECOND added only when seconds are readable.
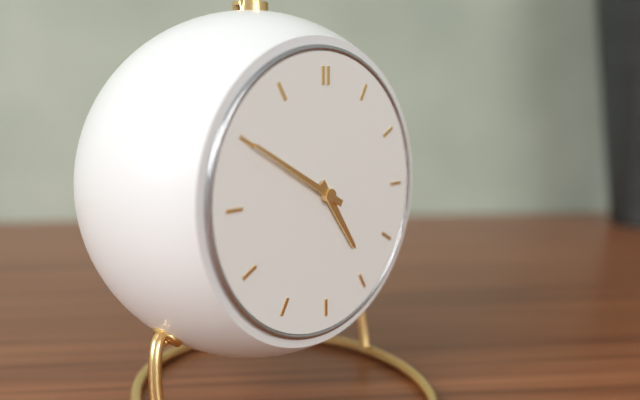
h=4 m=50
